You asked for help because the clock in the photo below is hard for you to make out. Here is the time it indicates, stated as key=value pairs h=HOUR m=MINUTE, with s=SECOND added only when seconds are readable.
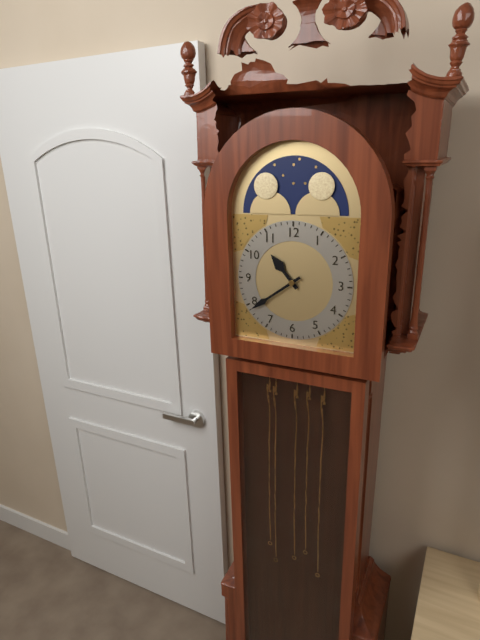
h=10 m=39
